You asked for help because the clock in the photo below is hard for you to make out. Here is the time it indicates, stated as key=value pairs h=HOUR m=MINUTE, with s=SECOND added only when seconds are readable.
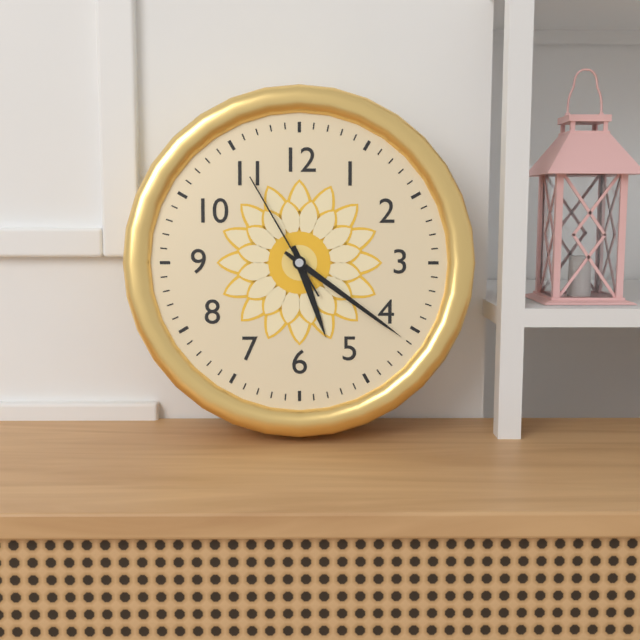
h=5 m=21 s=55
